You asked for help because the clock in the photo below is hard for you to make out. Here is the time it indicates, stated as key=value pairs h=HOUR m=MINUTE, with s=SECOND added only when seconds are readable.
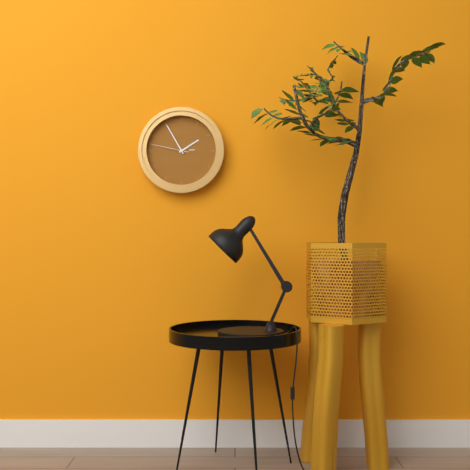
h=1 m=55
